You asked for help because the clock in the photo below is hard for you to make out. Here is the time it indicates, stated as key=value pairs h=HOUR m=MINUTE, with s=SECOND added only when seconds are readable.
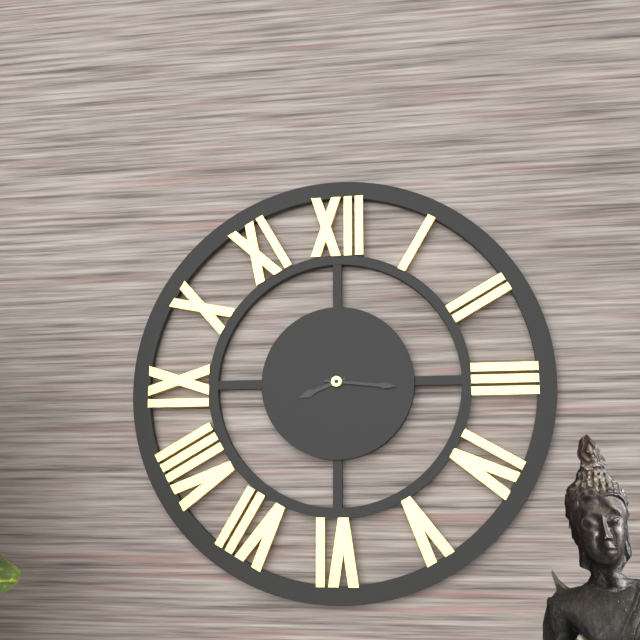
h=8 m=16
